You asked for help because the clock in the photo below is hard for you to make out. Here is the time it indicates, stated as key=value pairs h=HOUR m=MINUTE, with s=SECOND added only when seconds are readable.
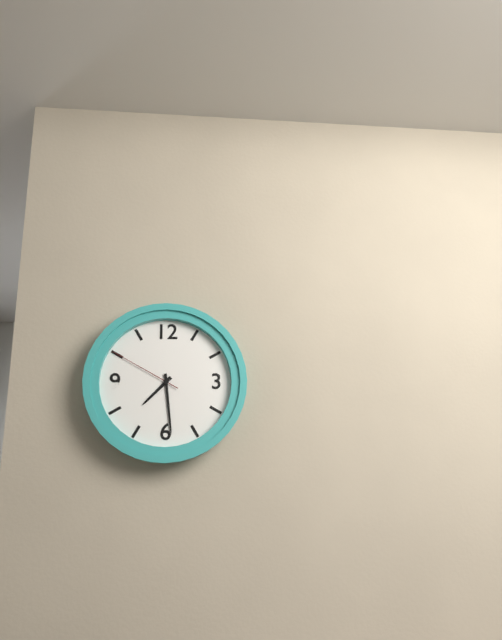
h=7 m=29 s=50
